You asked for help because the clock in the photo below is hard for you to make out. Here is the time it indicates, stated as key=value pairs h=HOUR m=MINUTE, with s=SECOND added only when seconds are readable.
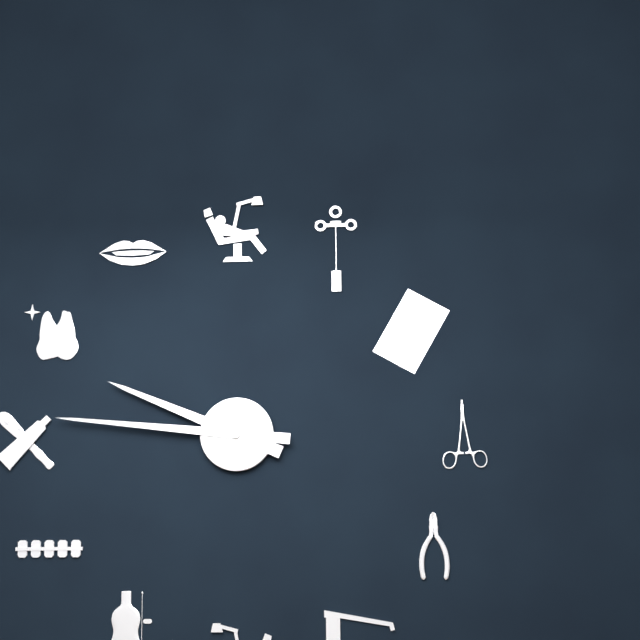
h=9 m=46
